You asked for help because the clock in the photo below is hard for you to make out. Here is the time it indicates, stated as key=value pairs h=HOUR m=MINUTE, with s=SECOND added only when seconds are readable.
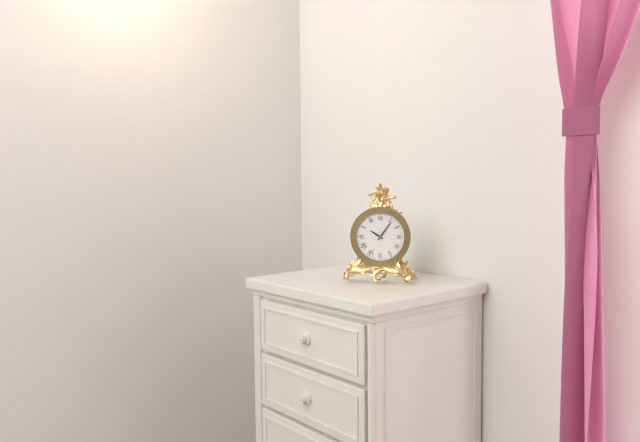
h=10 m=6
